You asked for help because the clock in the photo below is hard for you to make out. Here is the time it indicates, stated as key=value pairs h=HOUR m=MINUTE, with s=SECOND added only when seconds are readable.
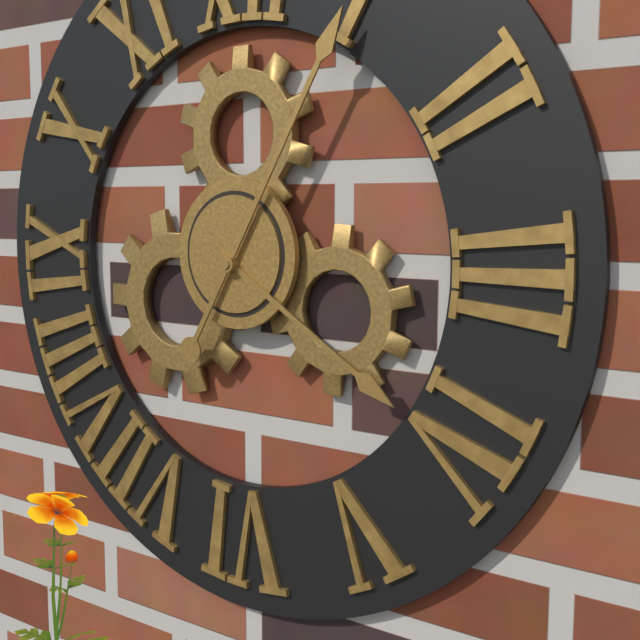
h=4 m=5
